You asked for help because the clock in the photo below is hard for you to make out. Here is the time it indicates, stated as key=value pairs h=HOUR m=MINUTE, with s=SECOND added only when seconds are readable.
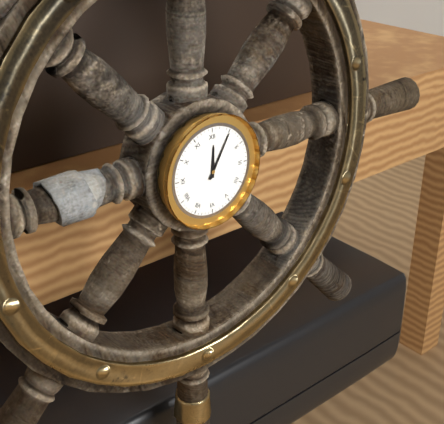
h=12 m=5
